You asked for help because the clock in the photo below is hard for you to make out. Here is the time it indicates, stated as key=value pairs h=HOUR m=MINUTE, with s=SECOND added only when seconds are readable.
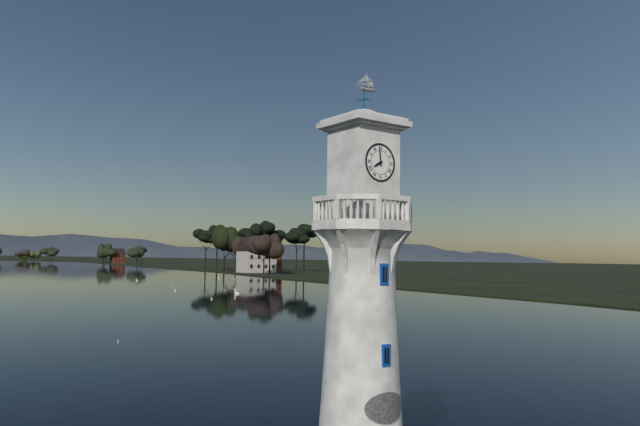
h=7 m=59
